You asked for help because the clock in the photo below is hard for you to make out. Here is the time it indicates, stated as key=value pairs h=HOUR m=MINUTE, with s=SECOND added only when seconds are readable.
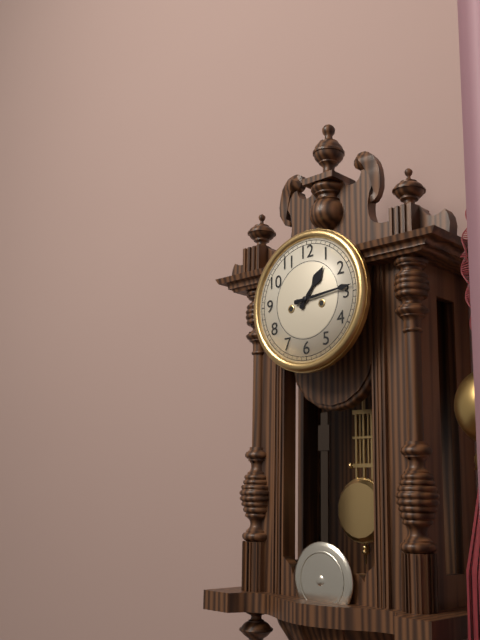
h=1 m=14
